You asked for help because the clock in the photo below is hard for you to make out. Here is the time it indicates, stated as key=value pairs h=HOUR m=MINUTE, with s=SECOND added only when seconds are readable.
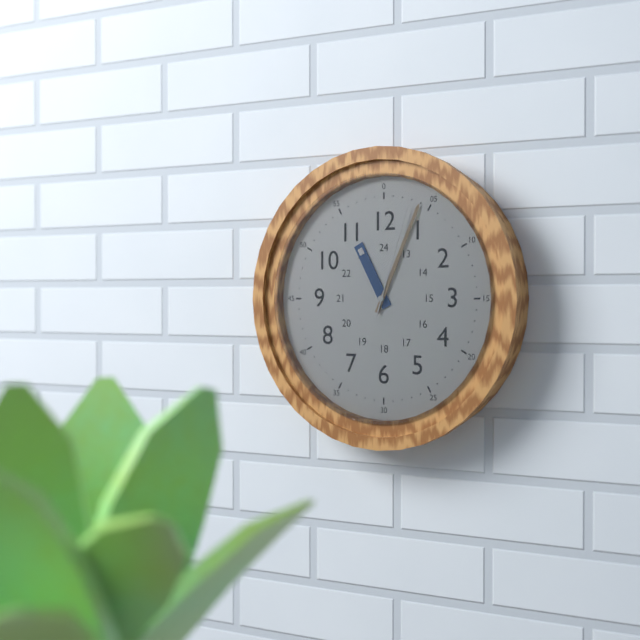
h=11 m=4 s=3
